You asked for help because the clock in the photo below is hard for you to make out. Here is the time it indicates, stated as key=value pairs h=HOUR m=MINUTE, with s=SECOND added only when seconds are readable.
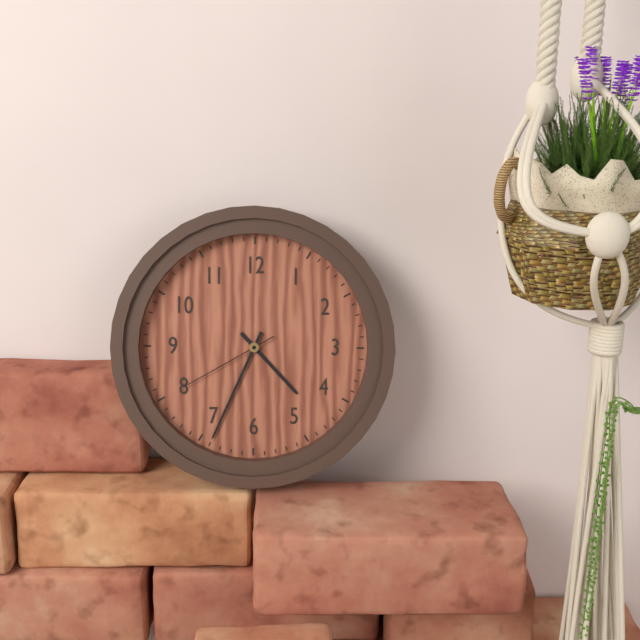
h=4 m=34 s=40
